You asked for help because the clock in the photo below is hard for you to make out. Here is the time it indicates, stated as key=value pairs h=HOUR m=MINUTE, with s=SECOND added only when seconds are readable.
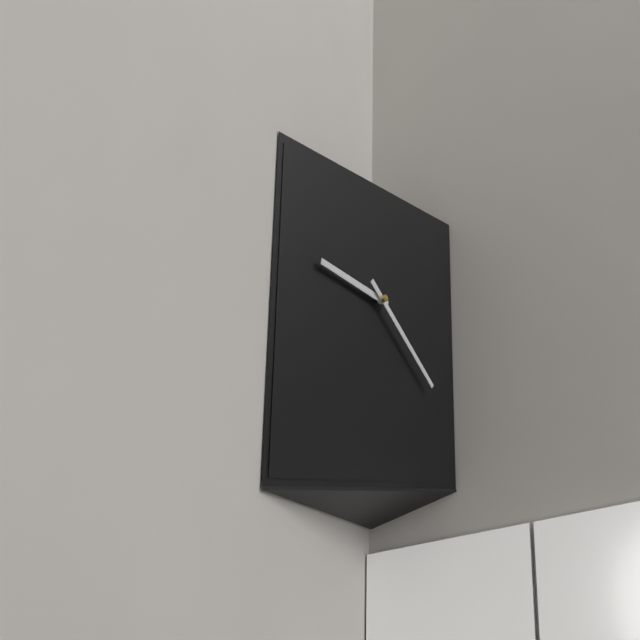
h=9 m=22
